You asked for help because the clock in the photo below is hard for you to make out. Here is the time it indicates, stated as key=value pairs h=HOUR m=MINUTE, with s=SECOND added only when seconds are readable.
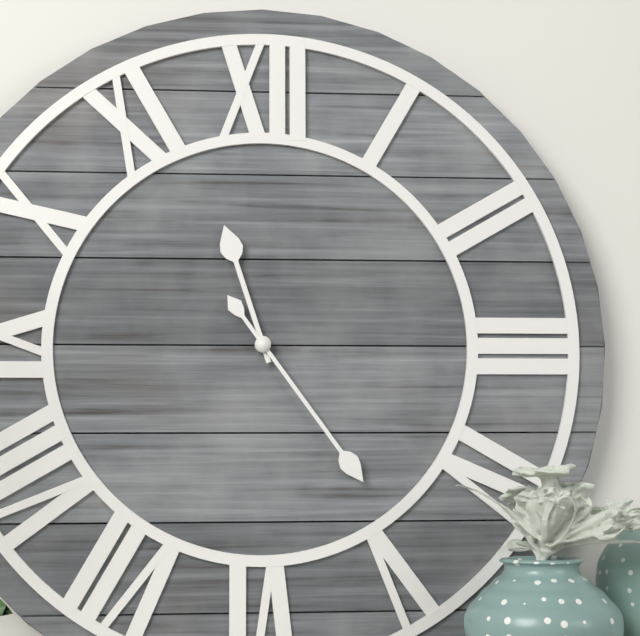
h=11 m=24
